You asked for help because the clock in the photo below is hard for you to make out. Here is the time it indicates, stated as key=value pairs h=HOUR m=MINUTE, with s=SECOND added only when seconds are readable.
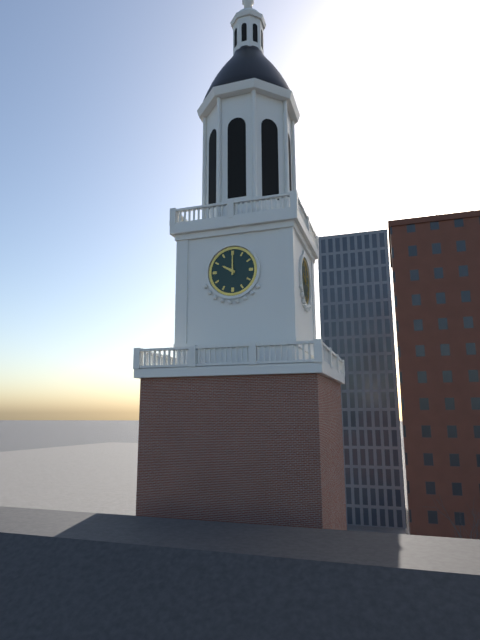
h=10 m=0
